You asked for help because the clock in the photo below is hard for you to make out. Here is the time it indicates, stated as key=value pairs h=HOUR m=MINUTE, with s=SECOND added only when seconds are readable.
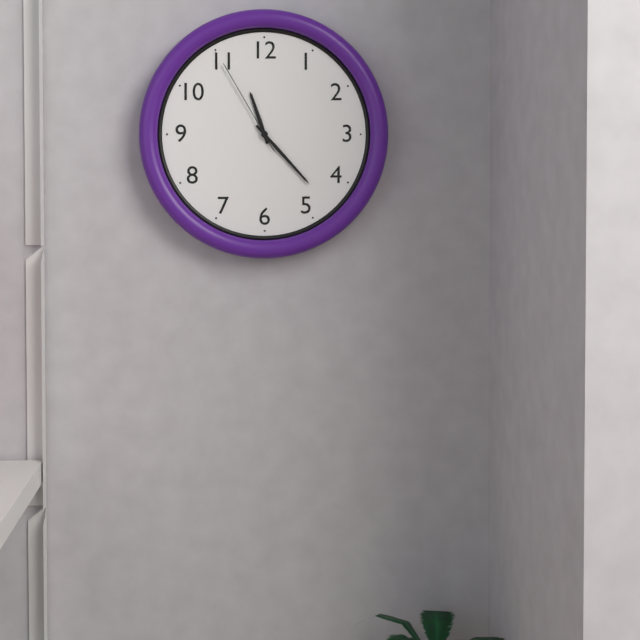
h=11 m=23 s=55
